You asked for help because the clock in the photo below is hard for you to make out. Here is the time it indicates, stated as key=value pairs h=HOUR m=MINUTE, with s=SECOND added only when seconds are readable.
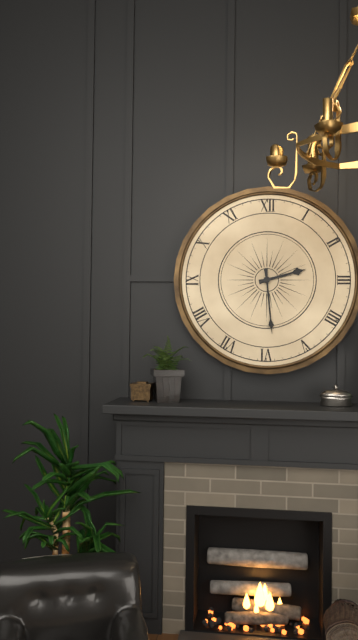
h=2 m=29
